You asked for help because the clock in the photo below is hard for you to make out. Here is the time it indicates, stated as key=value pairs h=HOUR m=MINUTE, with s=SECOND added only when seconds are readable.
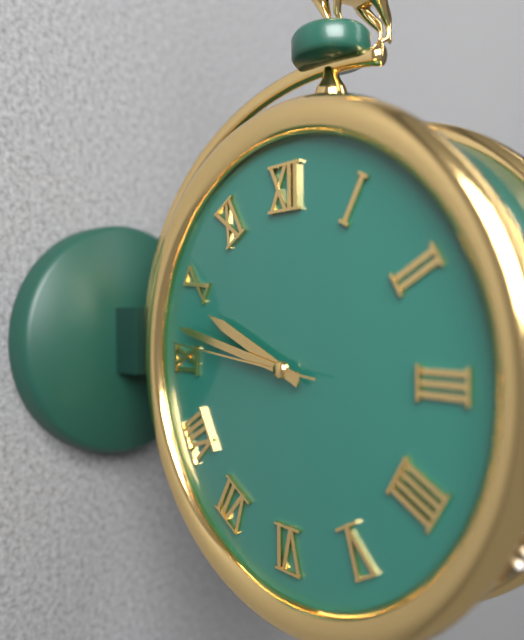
h=9 m=47 s=46
